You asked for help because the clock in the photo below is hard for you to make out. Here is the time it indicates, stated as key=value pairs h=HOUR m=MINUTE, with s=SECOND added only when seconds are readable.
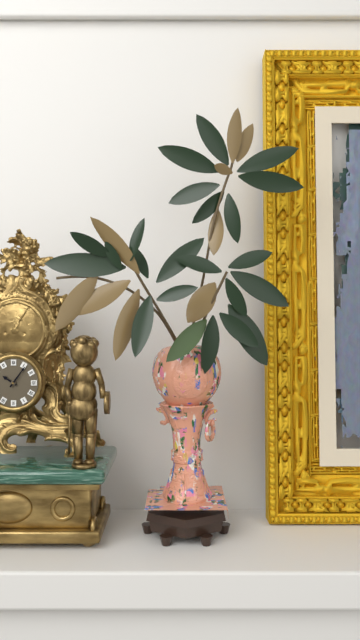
h=10 m=6
